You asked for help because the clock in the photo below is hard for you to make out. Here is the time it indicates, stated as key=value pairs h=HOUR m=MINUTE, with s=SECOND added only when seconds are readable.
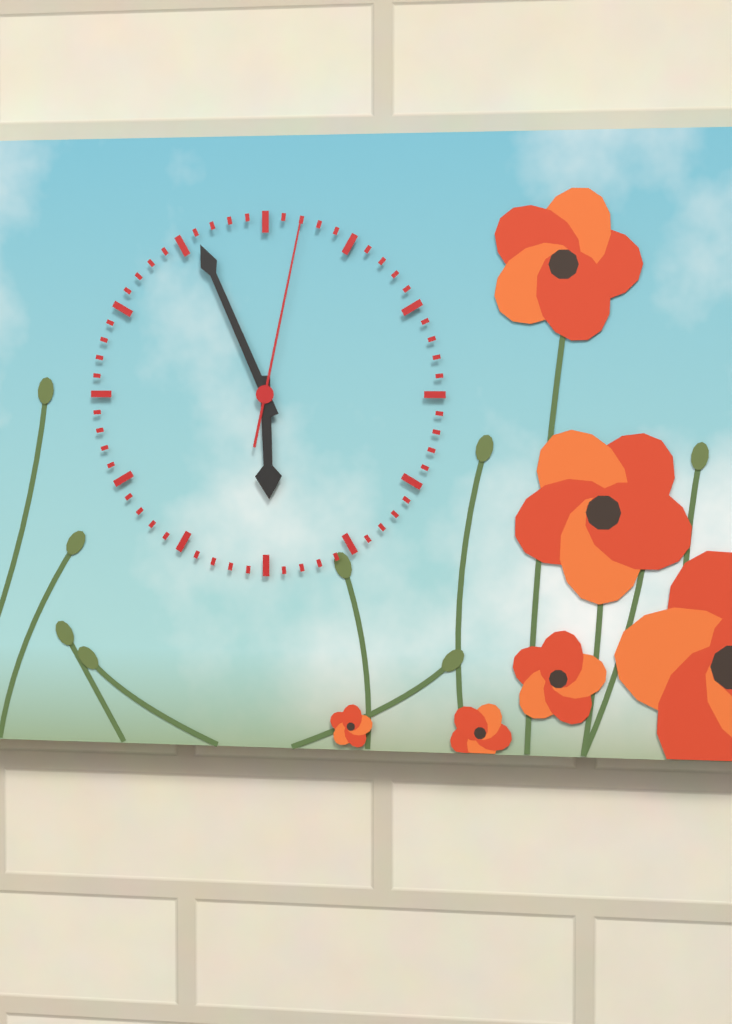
h=5 m=56 s=2
